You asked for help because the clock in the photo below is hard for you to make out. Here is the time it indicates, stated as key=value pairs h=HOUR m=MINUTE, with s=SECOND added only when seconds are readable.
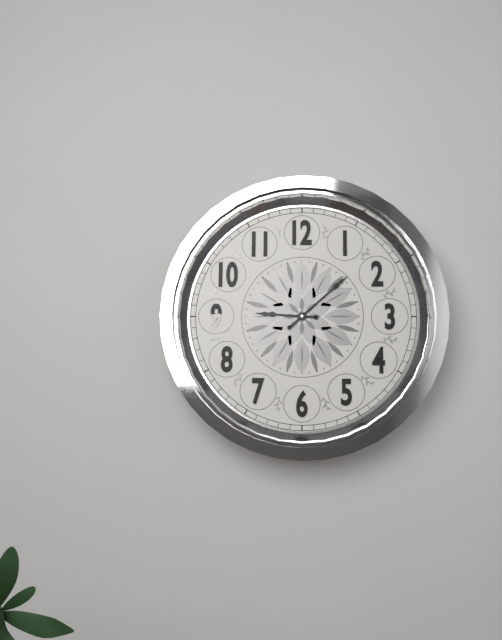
h=9 m=8
